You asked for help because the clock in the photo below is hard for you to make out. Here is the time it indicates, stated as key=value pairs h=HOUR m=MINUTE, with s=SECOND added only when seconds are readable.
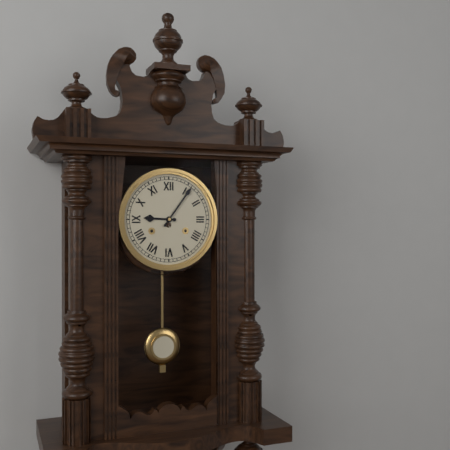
h=9 m=6
